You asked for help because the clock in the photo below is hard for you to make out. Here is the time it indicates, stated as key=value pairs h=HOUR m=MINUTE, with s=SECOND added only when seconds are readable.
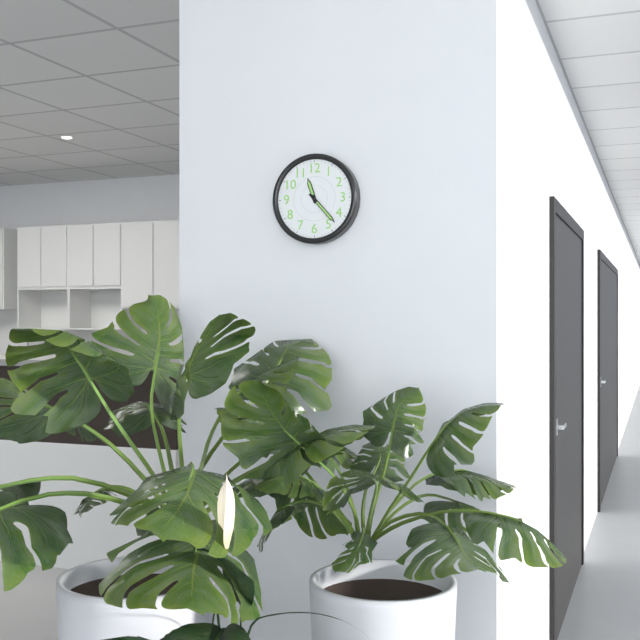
h=11 m=23
